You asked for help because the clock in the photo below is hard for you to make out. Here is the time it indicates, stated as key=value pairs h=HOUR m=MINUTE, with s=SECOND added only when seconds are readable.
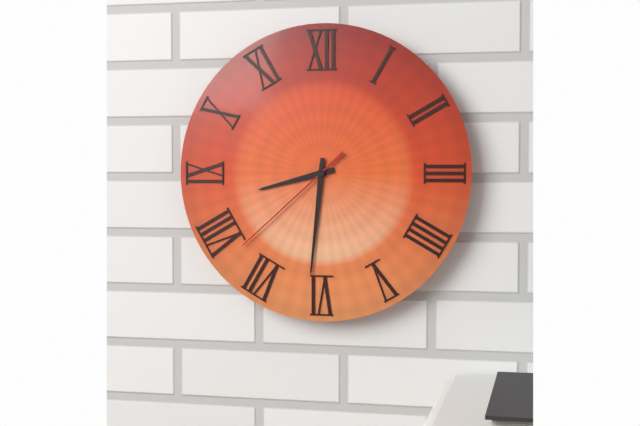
h=8 m=31 s=38
